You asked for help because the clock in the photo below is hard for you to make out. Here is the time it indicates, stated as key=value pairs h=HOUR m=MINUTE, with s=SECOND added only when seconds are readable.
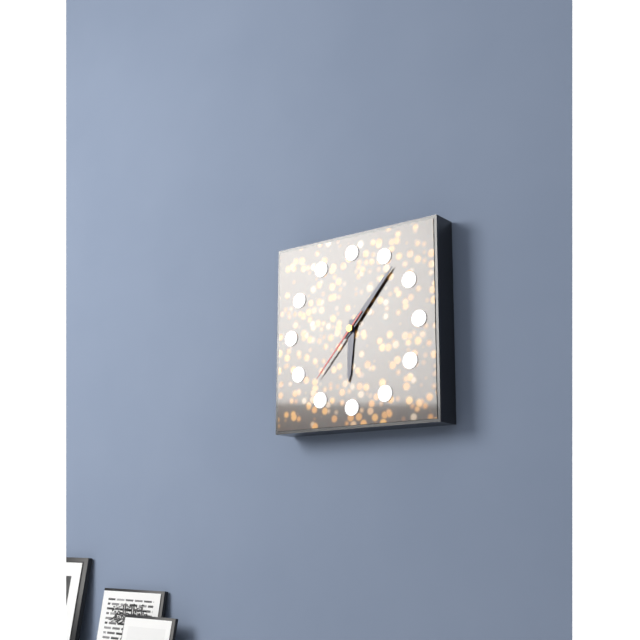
h=6 m=7 s=37
